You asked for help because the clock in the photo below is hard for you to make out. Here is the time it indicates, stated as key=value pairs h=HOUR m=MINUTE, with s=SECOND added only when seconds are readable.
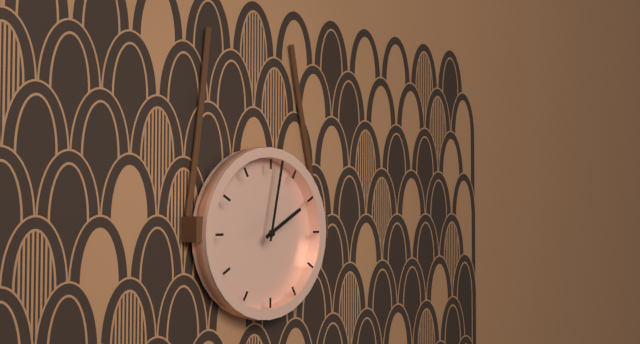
h=2 m=2
